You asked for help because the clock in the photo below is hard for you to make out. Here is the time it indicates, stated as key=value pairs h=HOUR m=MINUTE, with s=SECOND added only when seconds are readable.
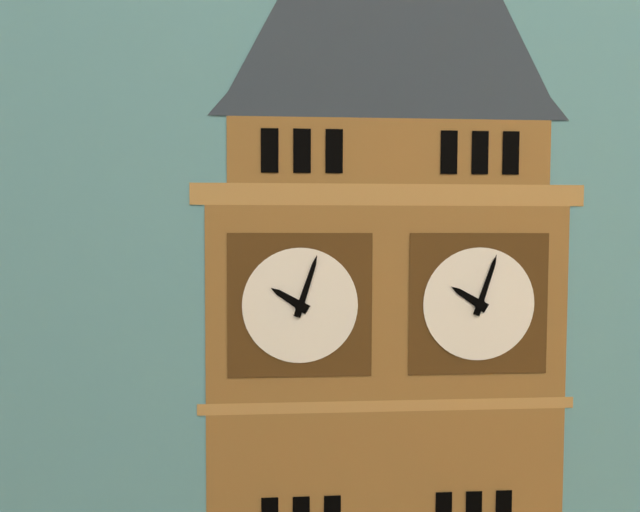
h=10 m=3
